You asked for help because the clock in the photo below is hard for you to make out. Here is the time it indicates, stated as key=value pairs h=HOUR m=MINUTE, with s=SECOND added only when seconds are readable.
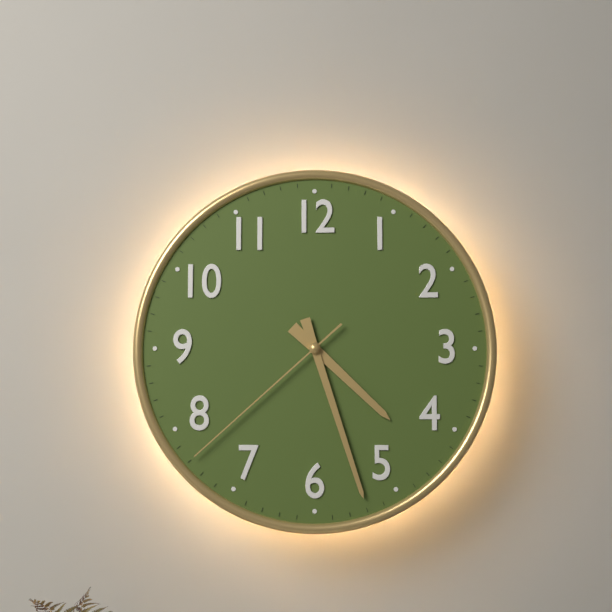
h=4 m=27 s=38
